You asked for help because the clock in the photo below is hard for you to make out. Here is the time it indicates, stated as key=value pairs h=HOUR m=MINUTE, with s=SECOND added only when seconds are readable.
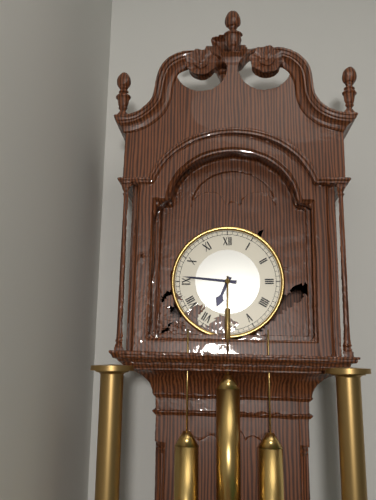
h=6 m=46
